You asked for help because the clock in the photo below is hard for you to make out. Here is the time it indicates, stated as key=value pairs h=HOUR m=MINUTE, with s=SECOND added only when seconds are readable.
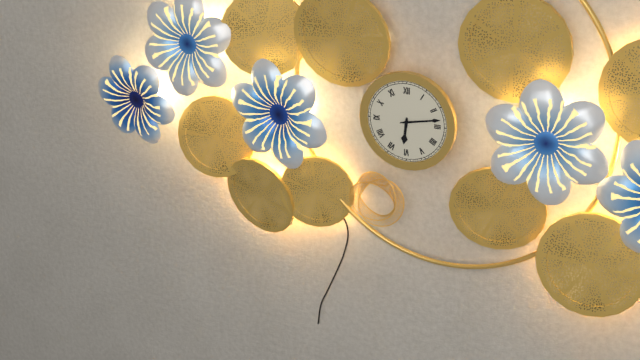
h=6 m=13
